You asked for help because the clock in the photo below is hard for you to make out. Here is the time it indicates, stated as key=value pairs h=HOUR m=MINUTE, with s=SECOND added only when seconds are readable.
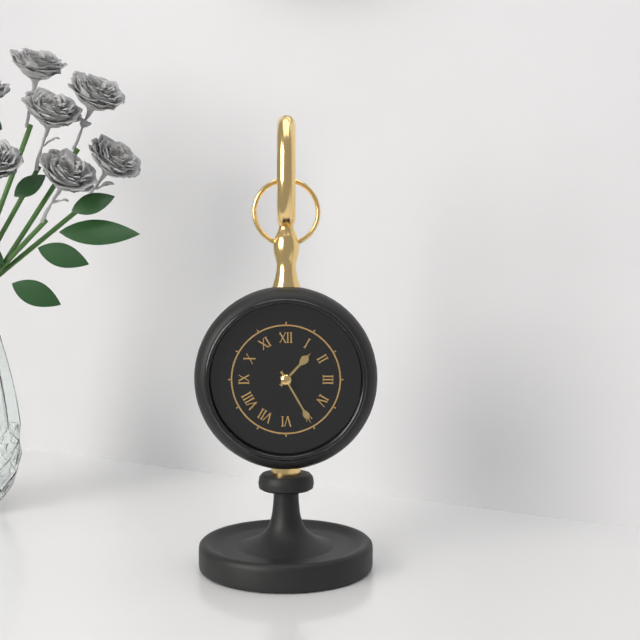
h=1 m=25
